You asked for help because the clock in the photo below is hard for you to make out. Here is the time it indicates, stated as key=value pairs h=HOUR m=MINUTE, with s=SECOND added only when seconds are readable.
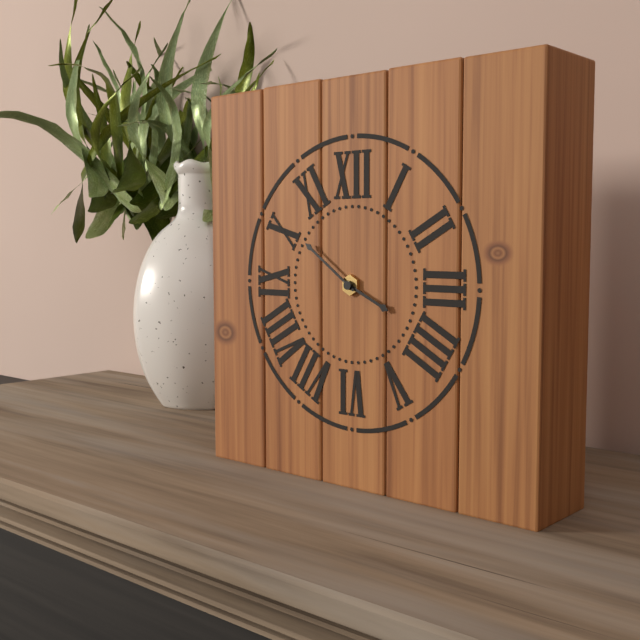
h=3 m=51
